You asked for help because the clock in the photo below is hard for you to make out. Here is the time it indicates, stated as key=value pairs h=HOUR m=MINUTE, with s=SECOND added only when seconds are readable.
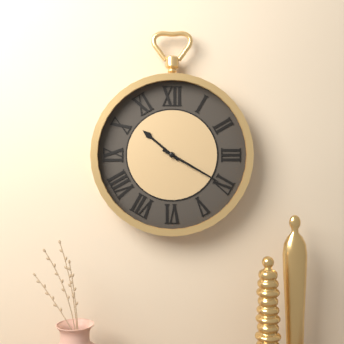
h=10 m=20
